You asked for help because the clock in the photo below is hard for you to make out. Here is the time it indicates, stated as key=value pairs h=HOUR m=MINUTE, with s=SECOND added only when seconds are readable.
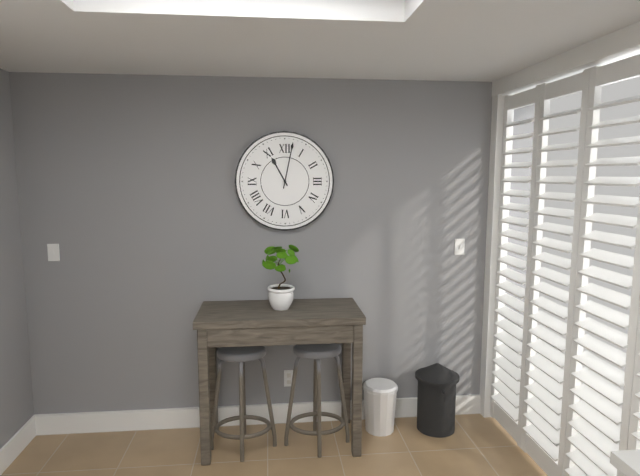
h=11 m=2
